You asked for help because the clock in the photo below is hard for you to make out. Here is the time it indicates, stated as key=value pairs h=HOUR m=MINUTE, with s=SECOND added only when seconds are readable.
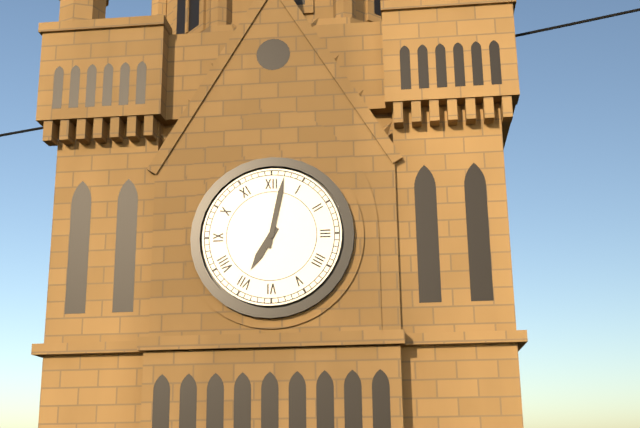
h=7 m=2
